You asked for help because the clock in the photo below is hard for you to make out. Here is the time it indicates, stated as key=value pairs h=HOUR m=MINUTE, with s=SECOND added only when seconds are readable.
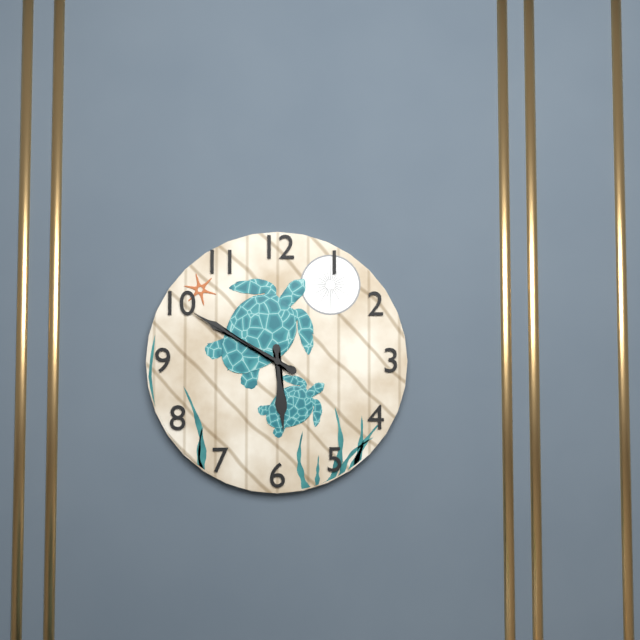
h=5 m=50
